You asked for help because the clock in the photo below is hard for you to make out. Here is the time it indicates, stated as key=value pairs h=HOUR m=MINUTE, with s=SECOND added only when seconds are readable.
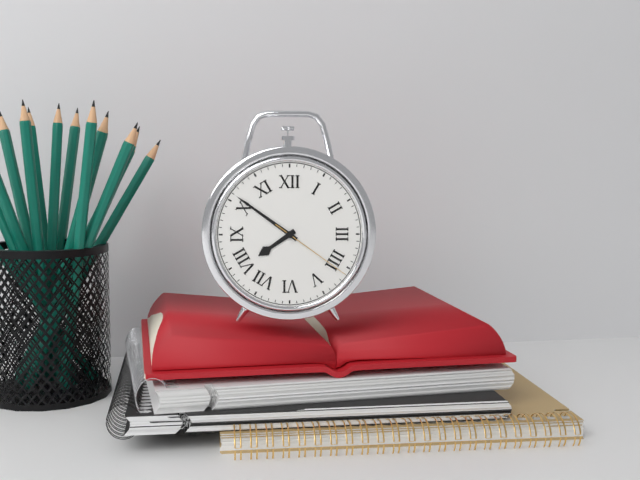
h=7 m=51 s=21
